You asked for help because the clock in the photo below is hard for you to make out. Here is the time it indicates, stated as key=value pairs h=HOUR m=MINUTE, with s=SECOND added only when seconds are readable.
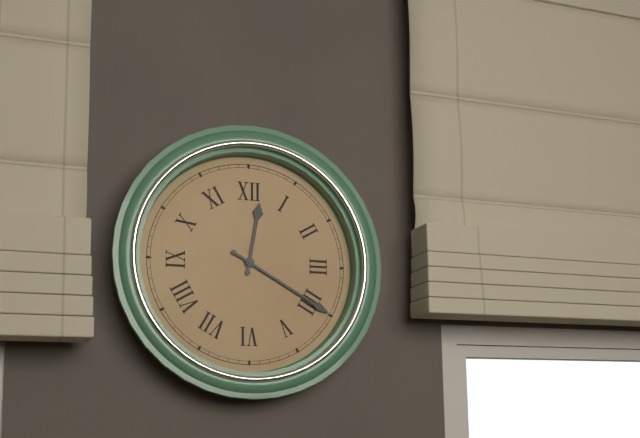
h=12 m=20
